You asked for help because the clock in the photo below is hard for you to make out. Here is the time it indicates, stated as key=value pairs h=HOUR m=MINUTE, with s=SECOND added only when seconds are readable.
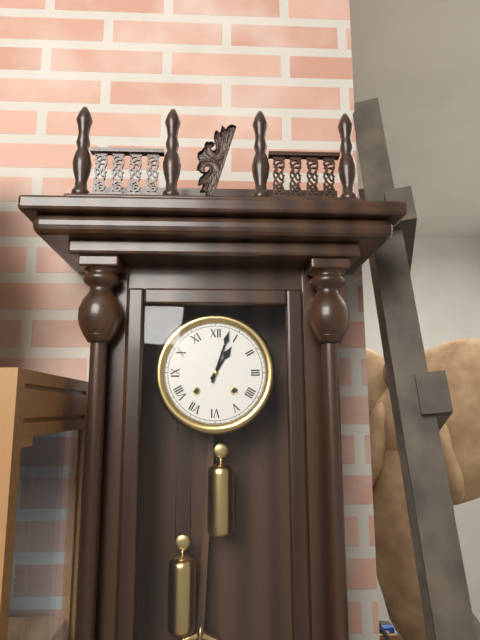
h=1 m=3
